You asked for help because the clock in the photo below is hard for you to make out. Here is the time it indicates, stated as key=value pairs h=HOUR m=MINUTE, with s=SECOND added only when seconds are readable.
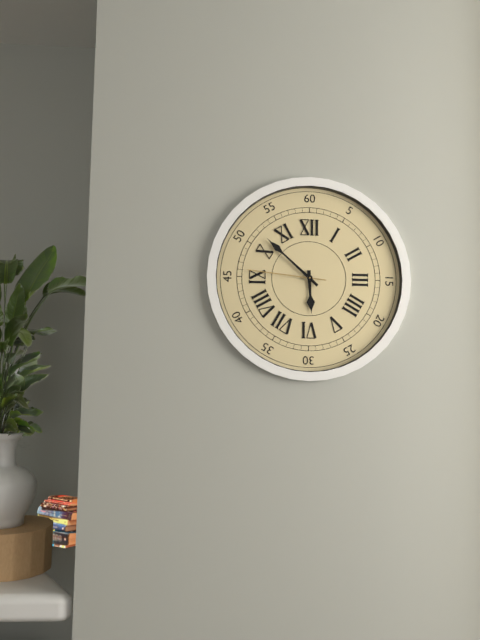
h=5 m=52 s=46
